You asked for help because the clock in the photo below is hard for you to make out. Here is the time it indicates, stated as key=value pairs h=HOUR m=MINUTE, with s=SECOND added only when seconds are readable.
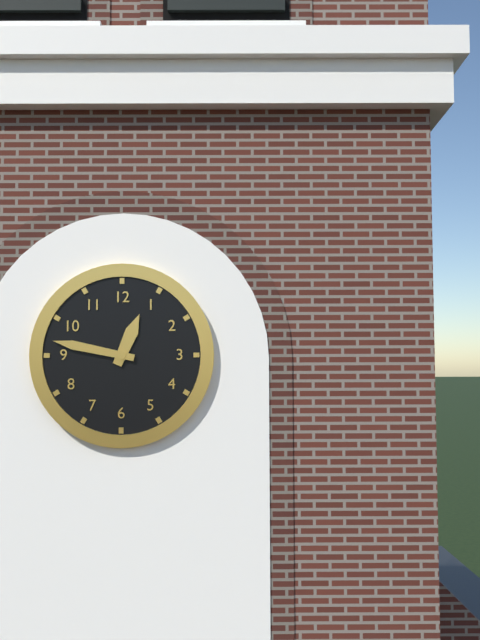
h=12 m=47
